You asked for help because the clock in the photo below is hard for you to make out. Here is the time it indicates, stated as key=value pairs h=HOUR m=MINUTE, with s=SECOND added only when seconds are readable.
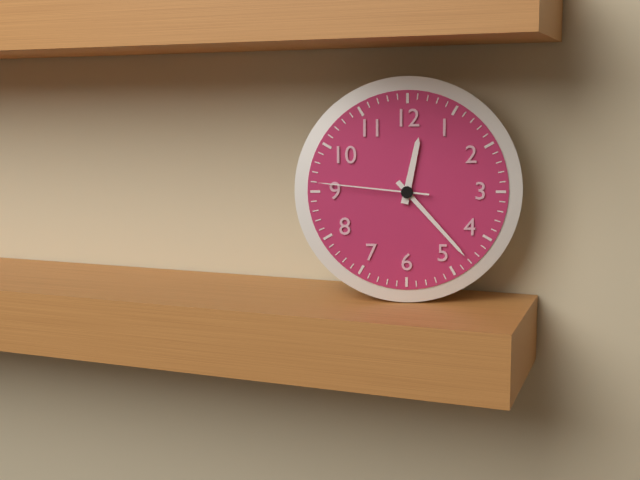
h=12 m=23 s=46
